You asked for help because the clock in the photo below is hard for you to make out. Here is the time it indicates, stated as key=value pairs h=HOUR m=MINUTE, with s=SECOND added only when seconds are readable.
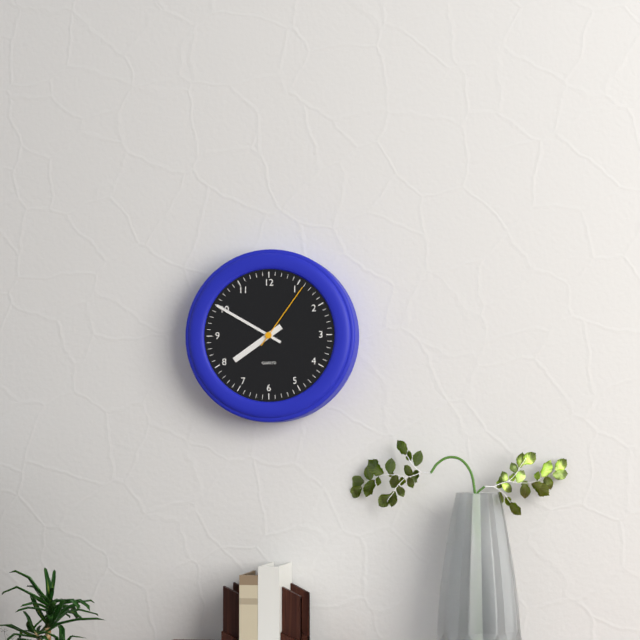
h=7 m=50 s=6
